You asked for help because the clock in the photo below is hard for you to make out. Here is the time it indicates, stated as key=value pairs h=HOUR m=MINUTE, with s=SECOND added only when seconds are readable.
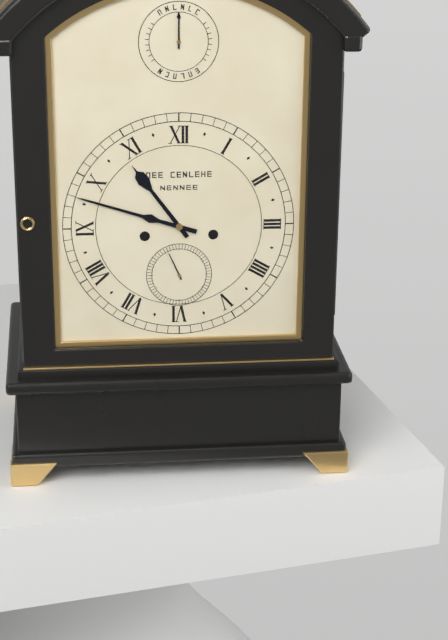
h=10 m=48
